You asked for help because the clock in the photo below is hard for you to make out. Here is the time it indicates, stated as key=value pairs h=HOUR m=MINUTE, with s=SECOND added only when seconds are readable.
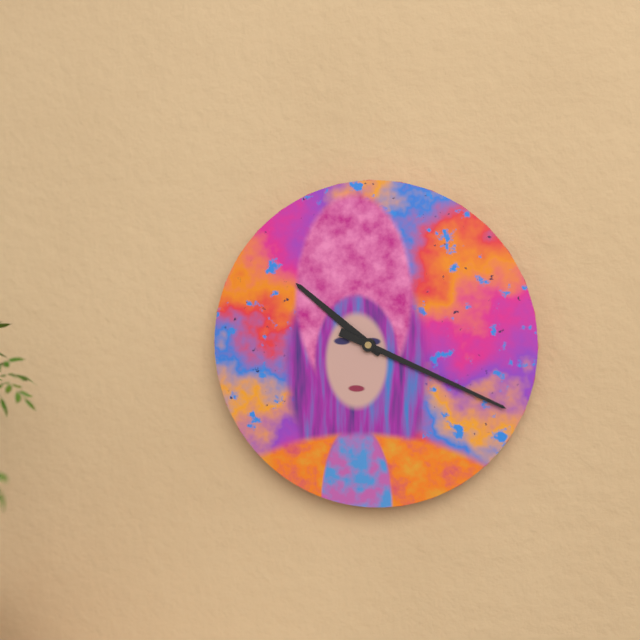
h=10 m=19
